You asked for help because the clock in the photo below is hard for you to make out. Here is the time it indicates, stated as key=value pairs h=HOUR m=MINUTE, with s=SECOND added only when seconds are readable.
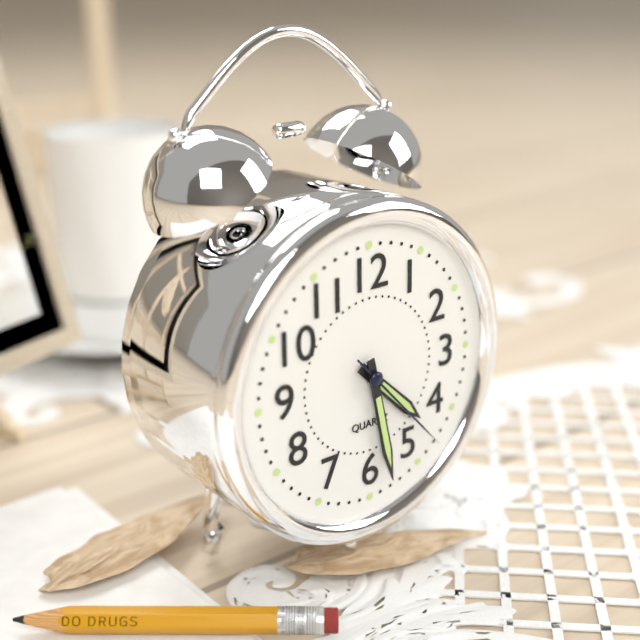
h=4 m=28 s=23
